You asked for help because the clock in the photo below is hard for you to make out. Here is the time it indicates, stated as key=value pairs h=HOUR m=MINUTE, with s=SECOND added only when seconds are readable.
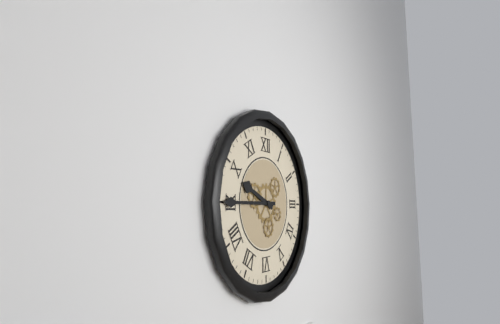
h=9 m=45
